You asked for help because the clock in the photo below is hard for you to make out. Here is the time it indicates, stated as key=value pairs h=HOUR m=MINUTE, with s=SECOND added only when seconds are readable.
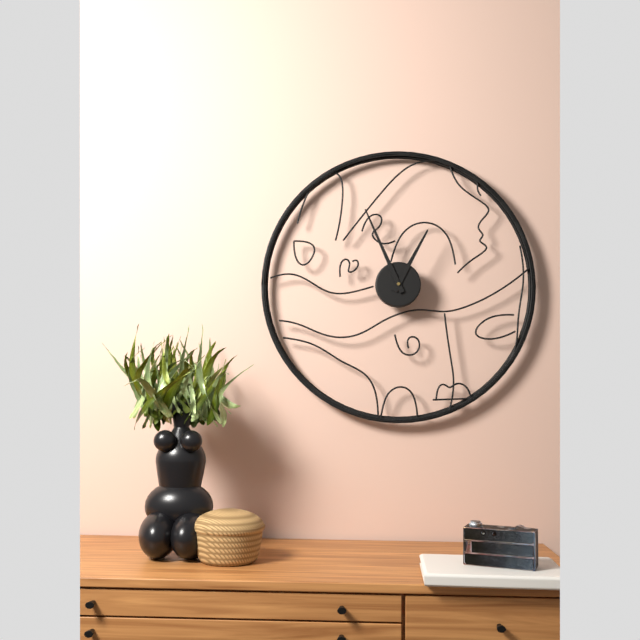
h=12 m=56
